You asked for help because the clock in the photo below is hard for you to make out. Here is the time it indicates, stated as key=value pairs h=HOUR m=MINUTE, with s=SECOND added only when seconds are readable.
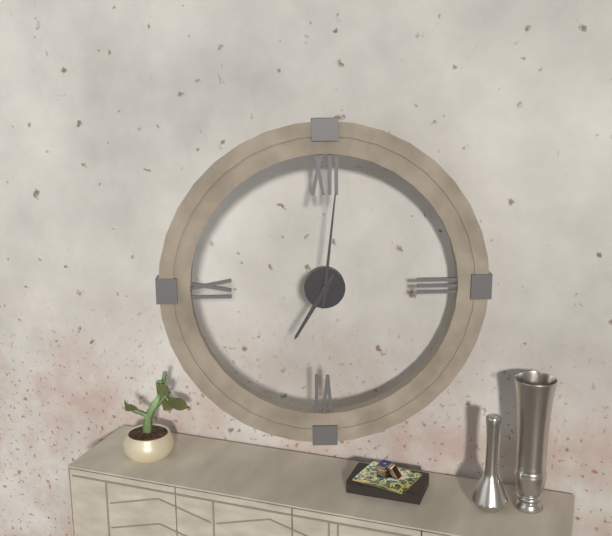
h=7 m=1
